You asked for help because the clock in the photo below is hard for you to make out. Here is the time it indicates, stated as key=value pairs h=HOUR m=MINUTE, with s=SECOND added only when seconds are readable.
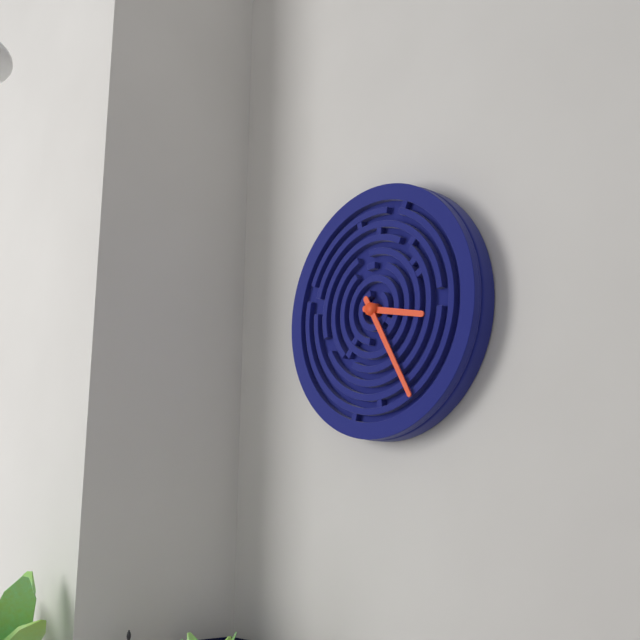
h=3 m=25
